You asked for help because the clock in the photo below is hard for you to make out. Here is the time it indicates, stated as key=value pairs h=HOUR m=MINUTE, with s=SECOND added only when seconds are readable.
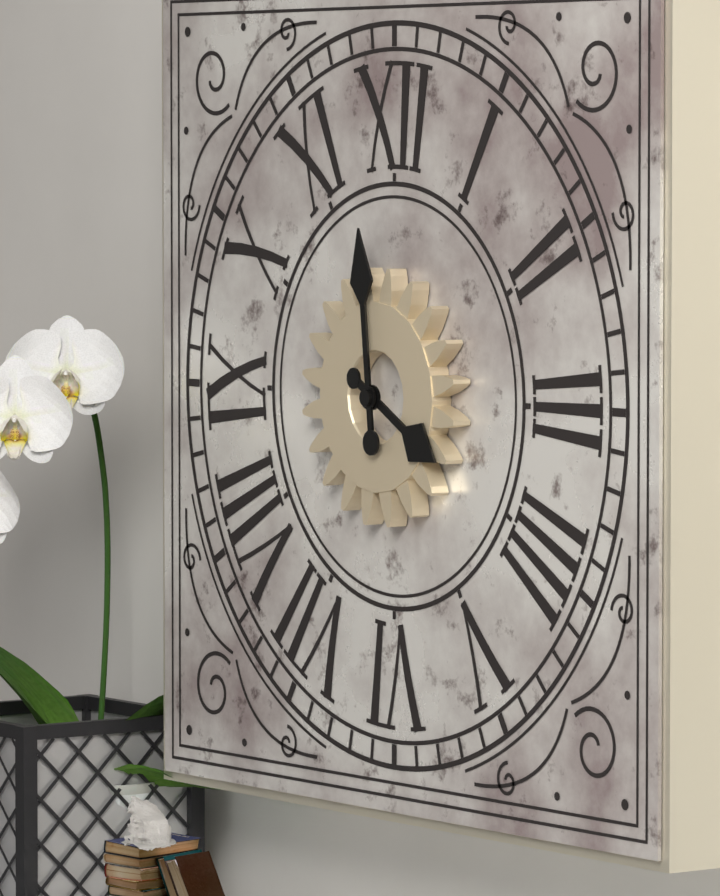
h=3 m=59
